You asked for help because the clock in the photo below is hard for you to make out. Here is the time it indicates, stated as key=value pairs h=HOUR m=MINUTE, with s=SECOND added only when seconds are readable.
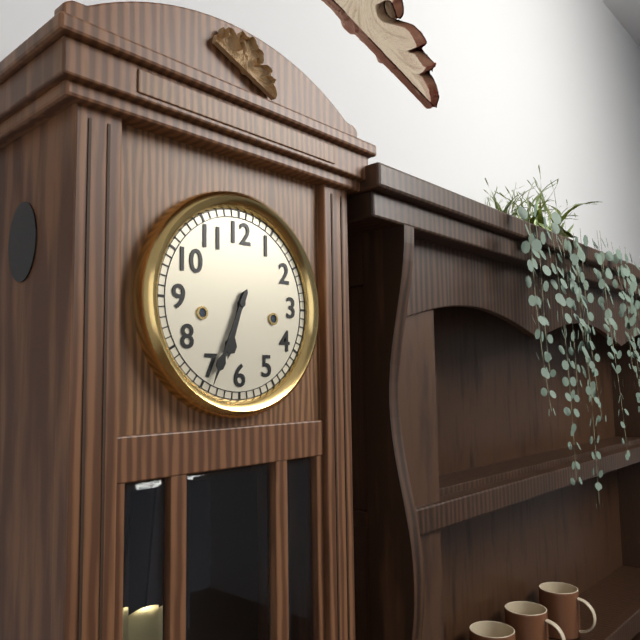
h=6 m=34
